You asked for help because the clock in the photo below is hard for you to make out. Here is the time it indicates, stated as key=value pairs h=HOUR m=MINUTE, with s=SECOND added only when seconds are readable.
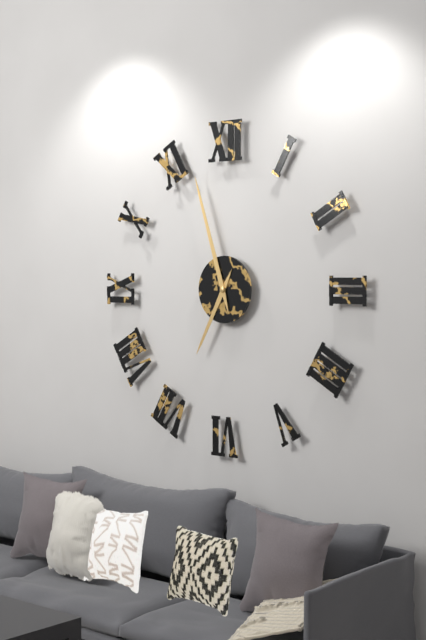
h=6 m=57
